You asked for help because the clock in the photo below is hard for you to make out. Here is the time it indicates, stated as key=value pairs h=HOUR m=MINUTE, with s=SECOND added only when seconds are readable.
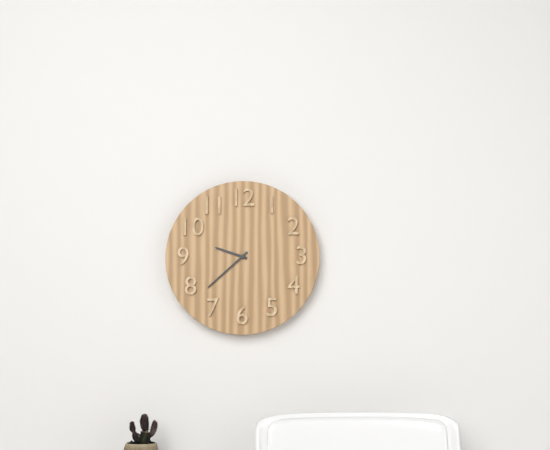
h=9 m=38
